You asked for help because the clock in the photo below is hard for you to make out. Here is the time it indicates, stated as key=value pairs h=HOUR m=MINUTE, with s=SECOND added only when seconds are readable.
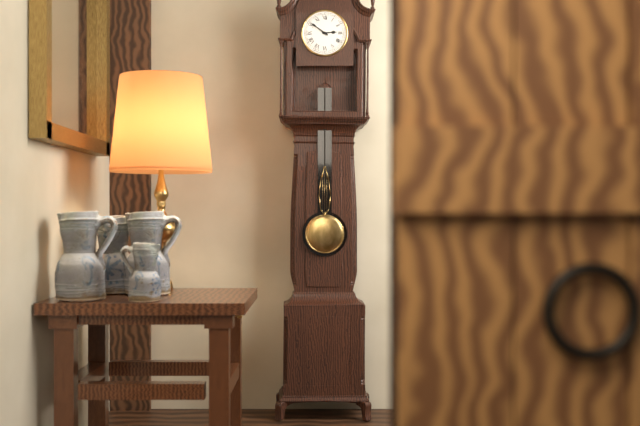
h=2 m=51
